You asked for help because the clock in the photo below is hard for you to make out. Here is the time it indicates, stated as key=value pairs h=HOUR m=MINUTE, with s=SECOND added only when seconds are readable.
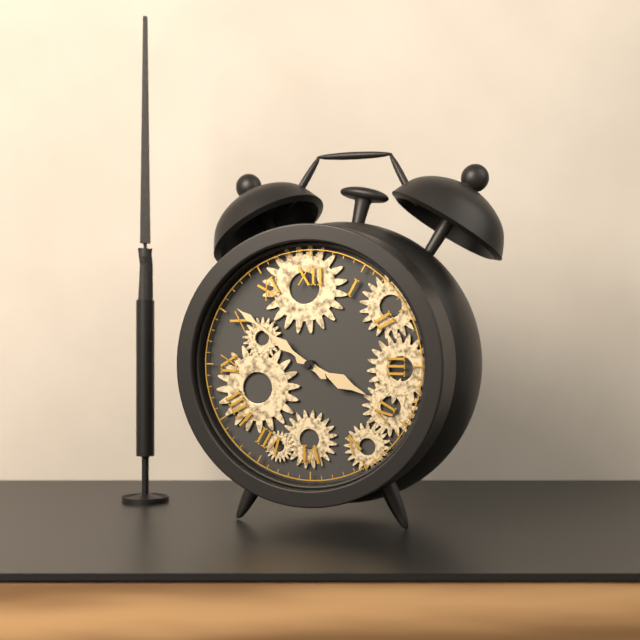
h=3 m=51
